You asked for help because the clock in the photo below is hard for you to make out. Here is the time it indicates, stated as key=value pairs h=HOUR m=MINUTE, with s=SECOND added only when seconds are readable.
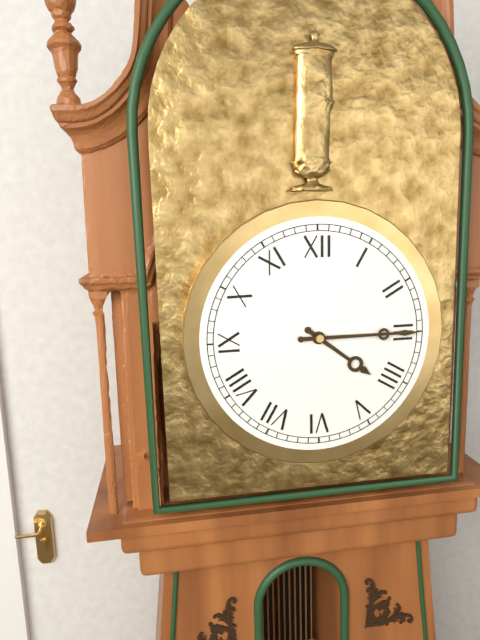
h=4 m=15
